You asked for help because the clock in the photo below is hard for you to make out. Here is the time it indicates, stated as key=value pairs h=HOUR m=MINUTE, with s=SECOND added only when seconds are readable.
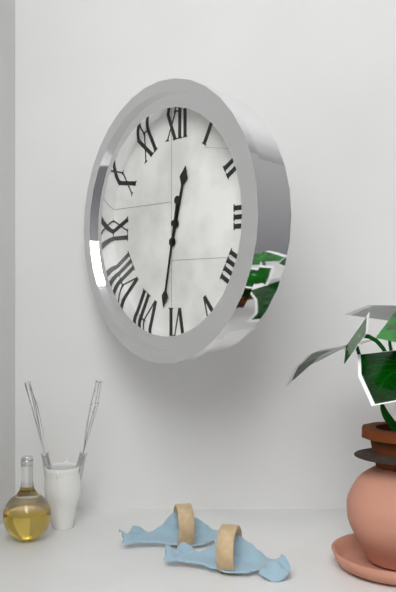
h=12 m=32
